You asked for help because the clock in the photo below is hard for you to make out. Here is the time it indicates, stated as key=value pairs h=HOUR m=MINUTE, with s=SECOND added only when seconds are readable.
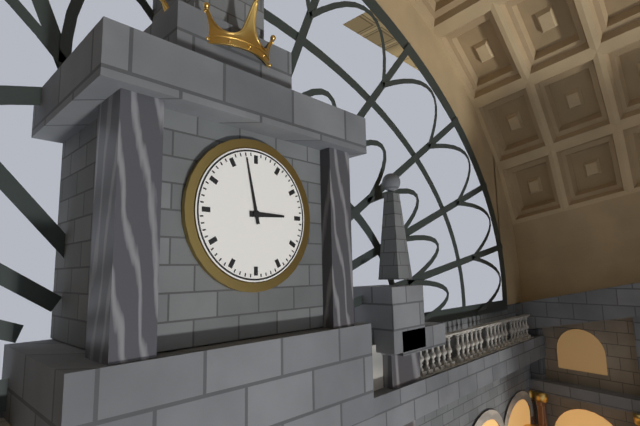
h=2 m=58
